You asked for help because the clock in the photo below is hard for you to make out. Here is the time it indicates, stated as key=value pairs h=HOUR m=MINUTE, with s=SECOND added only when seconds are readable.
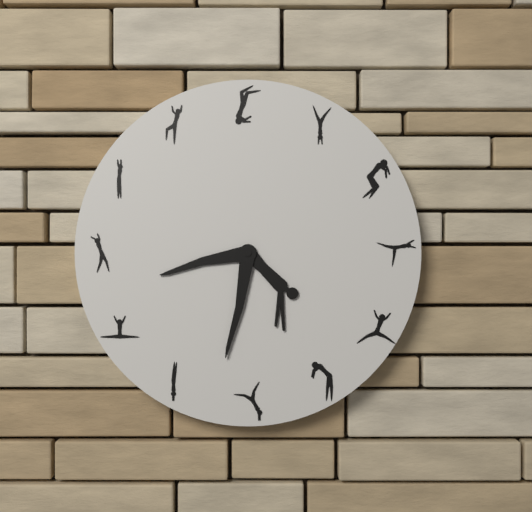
h=8 m=32
